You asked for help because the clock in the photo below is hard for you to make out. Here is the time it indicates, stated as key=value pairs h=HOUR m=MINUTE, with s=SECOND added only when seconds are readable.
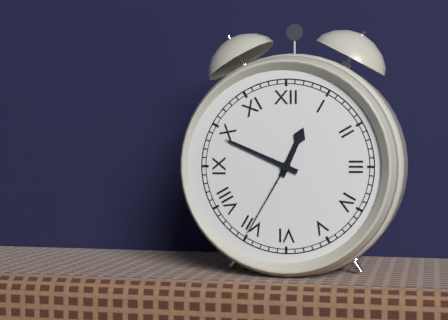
h=12 m=49 s=35
